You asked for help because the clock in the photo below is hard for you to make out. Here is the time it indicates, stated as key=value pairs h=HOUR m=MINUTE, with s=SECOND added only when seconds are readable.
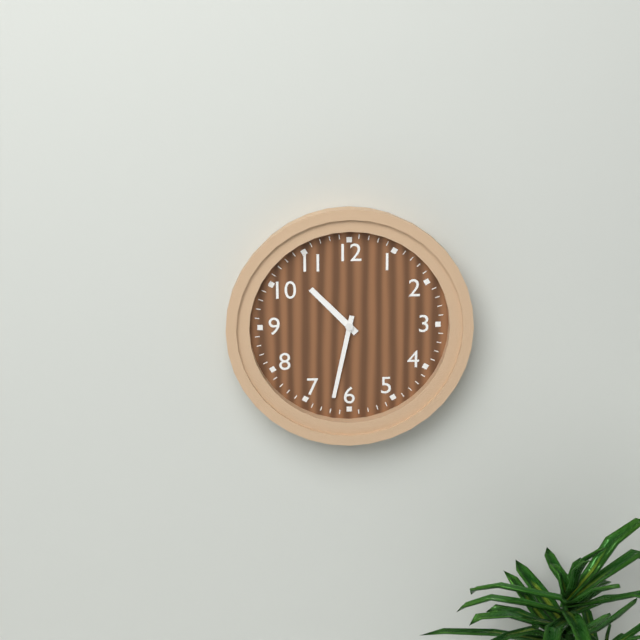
h=10 m=32
